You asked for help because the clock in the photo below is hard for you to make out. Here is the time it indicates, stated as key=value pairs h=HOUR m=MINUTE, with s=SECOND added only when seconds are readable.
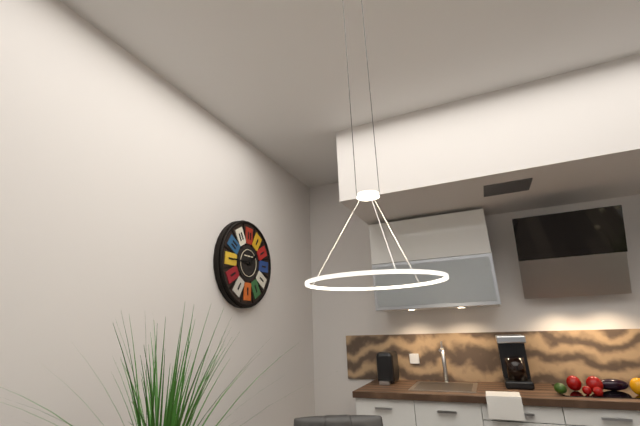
h=1 m=45
